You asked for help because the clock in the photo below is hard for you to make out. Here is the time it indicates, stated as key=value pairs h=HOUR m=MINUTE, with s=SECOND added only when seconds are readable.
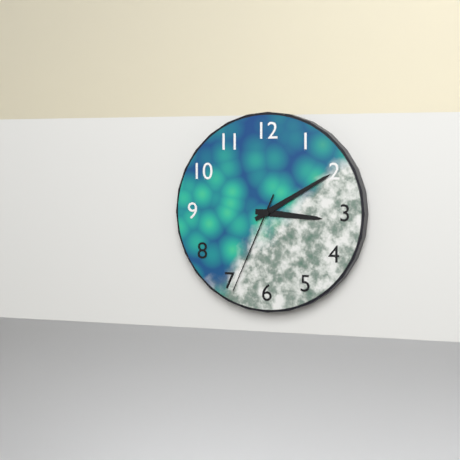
h=3 m=10 s=34
